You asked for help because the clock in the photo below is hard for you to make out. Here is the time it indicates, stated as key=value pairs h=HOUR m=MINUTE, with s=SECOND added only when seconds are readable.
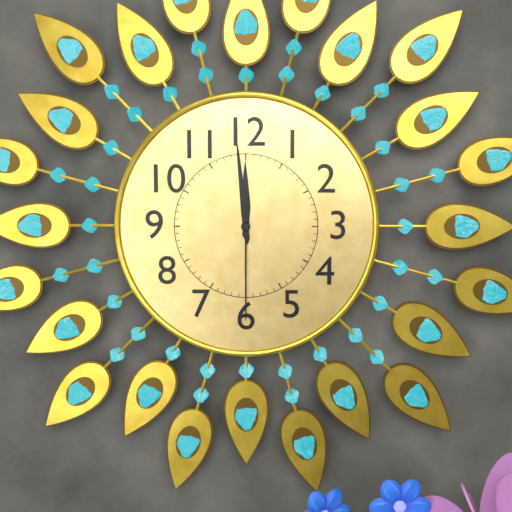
h=11 m=59 s=30
